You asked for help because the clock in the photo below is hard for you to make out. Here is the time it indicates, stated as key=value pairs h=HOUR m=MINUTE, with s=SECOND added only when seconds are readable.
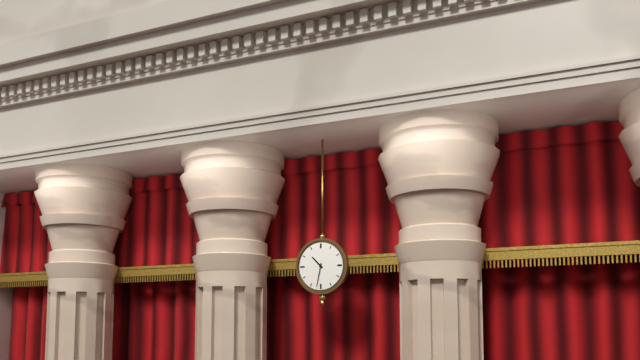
h=10 m=32
